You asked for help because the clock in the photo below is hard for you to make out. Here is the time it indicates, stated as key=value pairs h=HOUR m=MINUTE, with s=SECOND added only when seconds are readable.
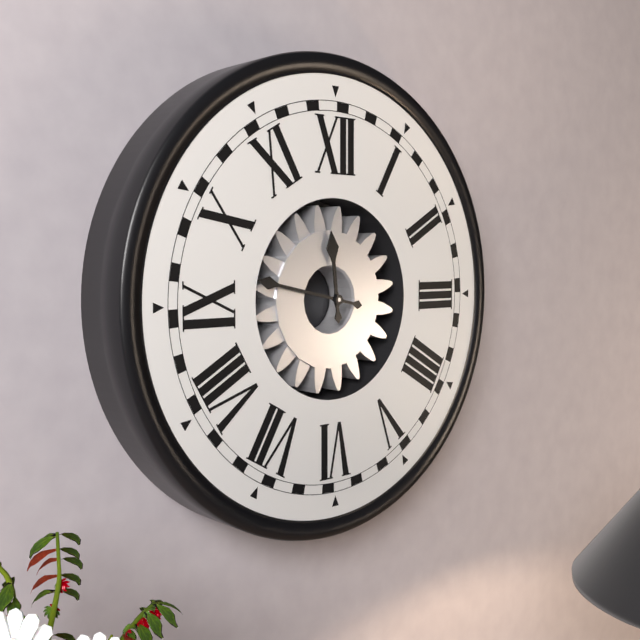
h=11 m=47
